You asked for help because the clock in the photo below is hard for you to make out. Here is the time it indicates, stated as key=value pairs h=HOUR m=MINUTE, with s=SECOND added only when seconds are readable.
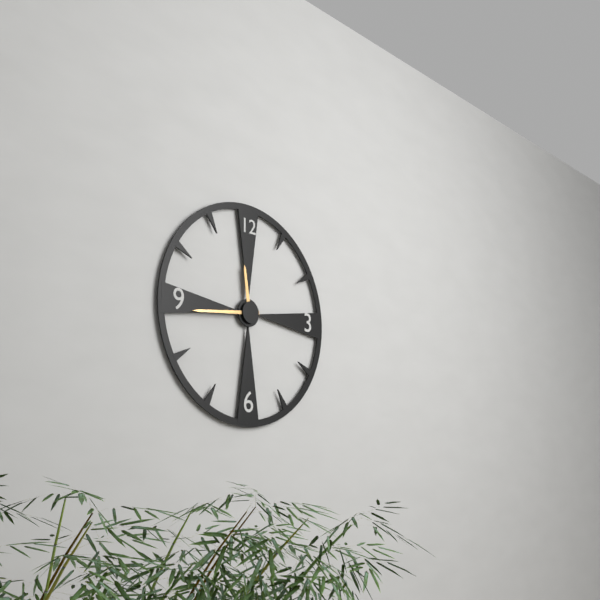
h=11 m=44
